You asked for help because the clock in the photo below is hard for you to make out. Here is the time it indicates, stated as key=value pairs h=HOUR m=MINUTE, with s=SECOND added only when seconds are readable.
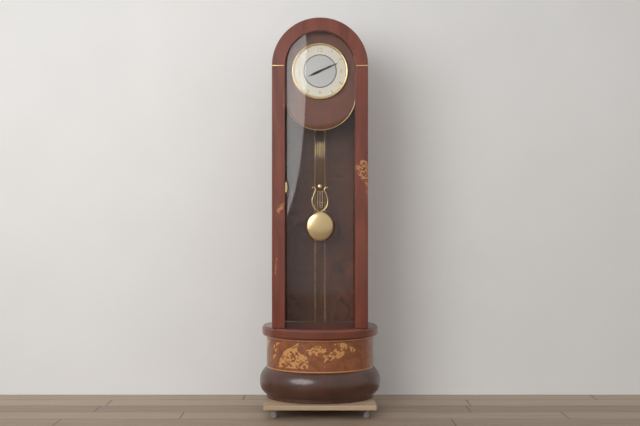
h=8 m=11
